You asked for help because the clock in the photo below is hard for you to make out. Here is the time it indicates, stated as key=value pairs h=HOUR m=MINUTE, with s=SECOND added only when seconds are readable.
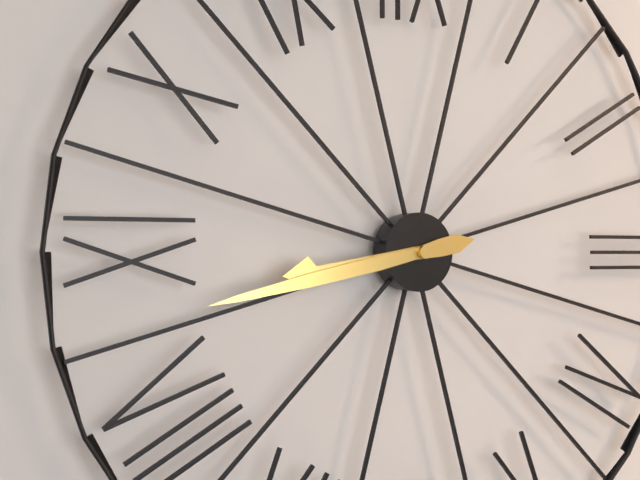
h=8 m=43
